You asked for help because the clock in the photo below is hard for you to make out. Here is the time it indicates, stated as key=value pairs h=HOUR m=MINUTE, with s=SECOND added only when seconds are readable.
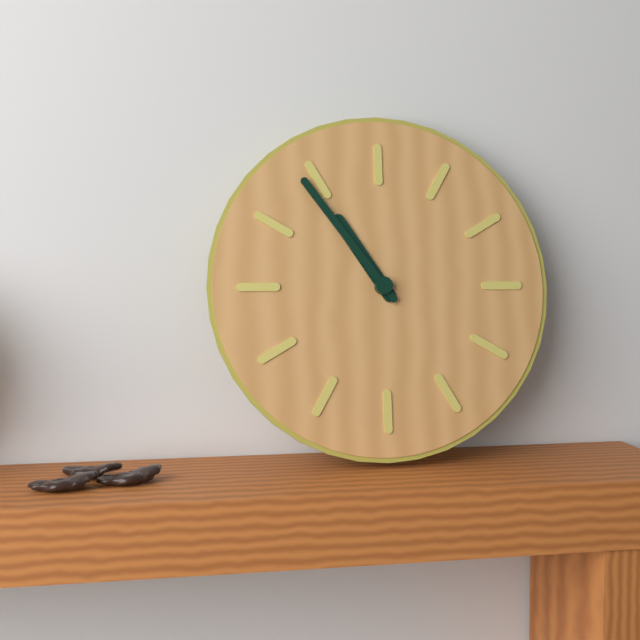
h=10 m=54
